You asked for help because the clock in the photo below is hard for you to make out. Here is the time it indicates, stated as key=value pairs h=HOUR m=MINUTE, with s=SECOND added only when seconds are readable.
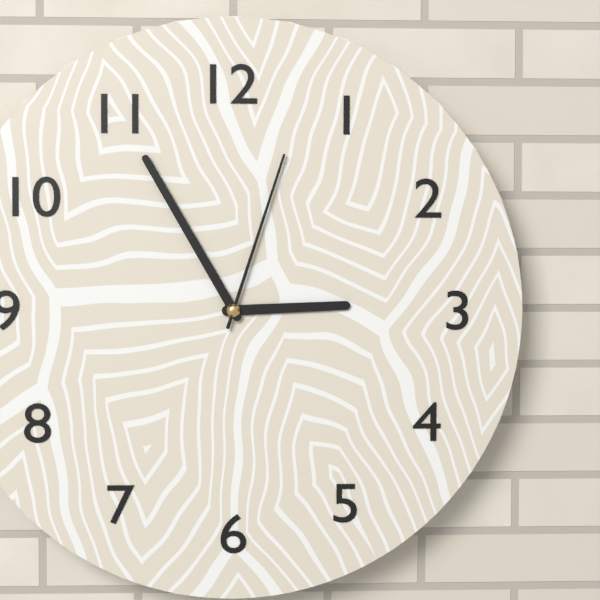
h=2 m=55 s=3
